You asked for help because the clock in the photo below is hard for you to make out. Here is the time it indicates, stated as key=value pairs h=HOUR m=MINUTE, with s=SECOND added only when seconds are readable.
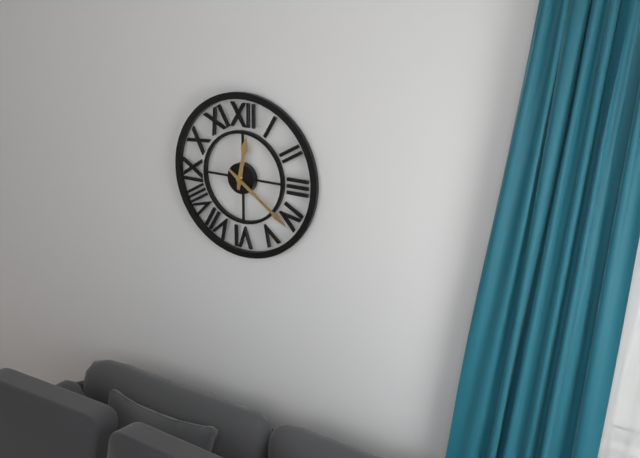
h=12 m=21
